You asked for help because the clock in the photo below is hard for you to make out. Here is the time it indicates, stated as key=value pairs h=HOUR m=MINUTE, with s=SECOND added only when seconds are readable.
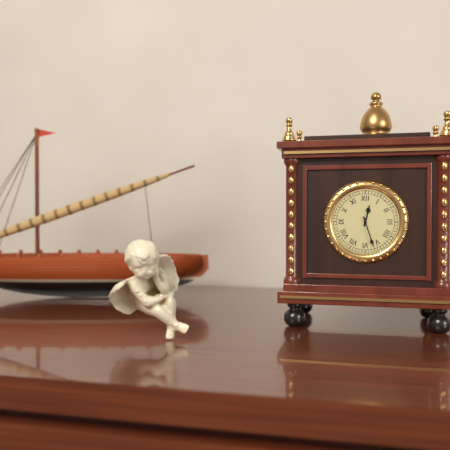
h=12 m=27
